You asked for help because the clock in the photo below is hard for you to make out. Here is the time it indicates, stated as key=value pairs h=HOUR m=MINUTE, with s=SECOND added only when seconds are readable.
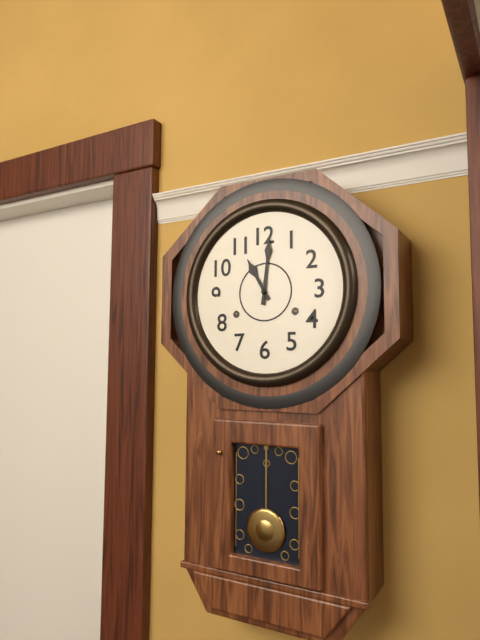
h=11 m=1
